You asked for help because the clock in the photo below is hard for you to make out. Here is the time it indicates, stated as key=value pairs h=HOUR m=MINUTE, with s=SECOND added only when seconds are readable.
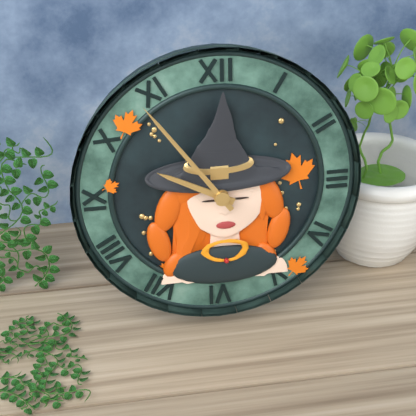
h=9 m=54
